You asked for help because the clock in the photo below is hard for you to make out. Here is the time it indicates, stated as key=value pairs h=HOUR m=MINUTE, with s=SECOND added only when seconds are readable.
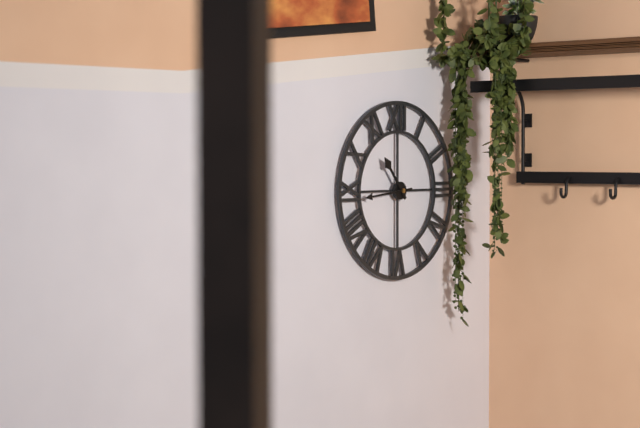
h=10 m=44
